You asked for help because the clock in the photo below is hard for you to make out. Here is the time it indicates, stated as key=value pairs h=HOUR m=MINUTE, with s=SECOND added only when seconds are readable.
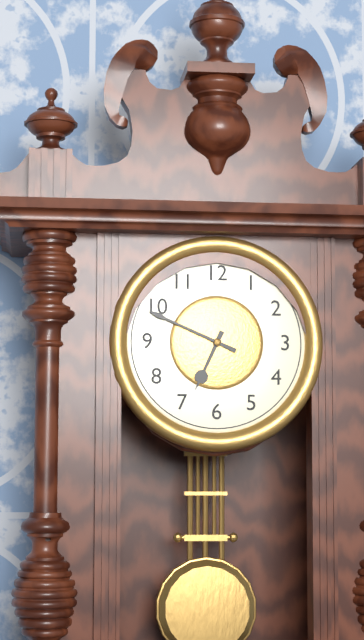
h=6 m=49
